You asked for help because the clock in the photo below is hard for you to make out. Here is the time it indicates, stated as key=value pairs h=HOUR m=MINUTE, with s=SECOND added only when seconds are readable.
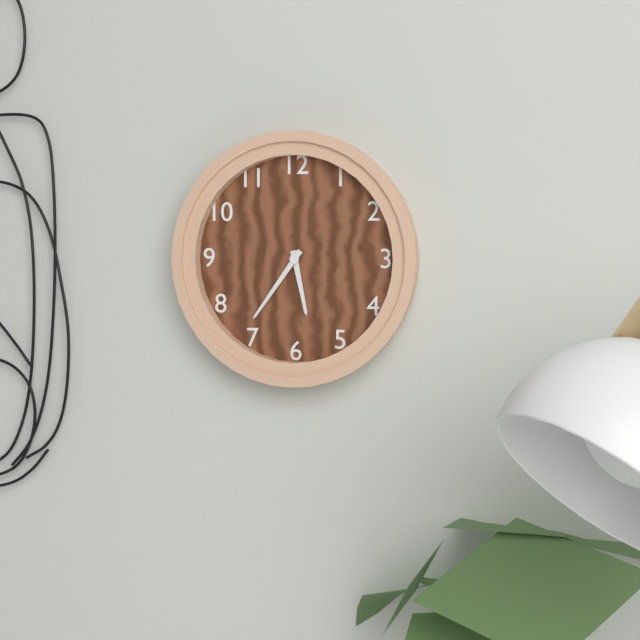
h=5 m=36
